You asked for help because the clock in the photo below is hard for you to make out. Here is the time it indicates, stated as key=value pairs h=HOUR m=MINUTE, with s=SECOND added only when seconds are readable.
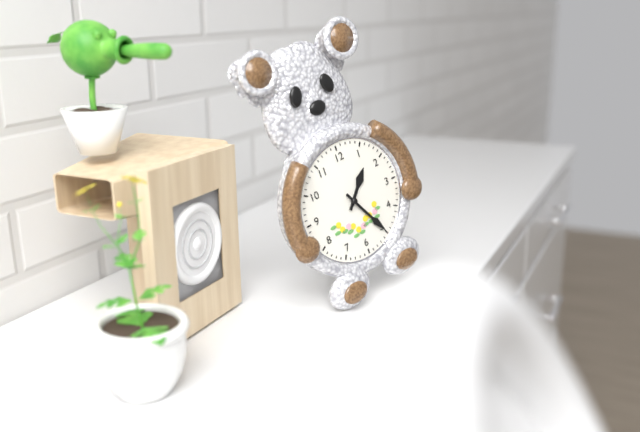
h=1 m=25
